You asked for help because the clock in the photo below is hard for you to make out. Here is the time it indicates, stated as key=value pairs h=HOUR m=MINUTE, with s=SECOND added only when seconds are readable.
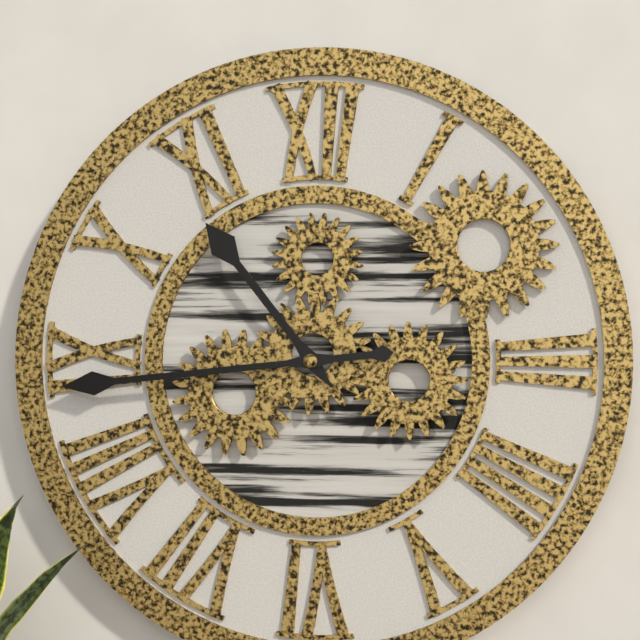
h=10 m=44
